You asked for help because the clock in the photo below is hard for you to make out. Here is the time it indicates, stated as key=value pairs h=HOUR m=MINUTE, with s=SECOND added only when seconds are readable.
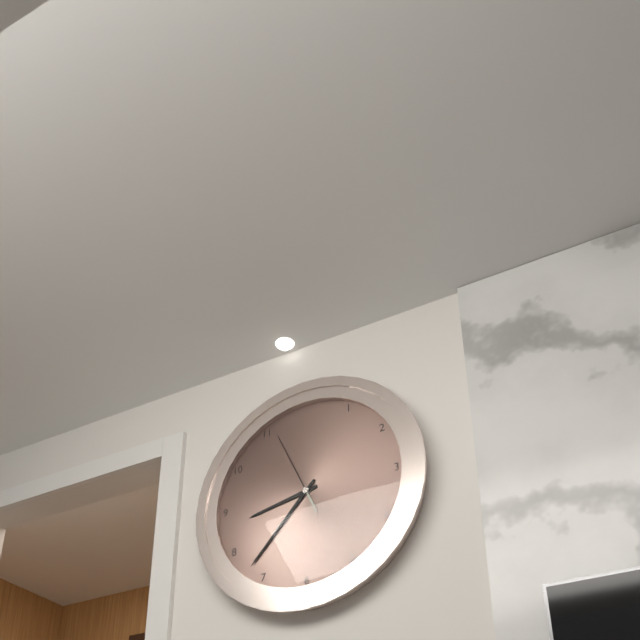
h=8 m=37 s=56
